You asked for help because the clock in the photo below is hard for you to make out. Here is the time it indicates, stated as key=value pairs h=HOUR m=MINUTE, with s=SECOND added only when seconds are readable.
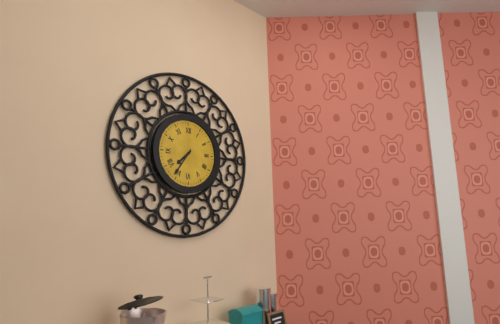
h=7 m=36
